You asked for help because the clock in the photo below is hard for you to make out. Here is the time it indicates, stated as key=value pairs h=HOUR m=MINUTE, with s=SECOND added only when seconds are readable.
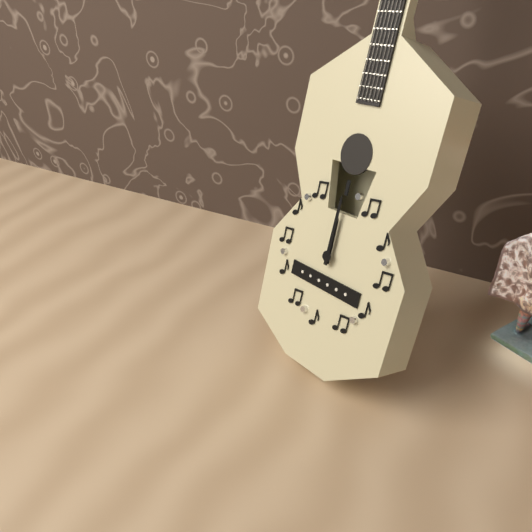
h=12 m=0
